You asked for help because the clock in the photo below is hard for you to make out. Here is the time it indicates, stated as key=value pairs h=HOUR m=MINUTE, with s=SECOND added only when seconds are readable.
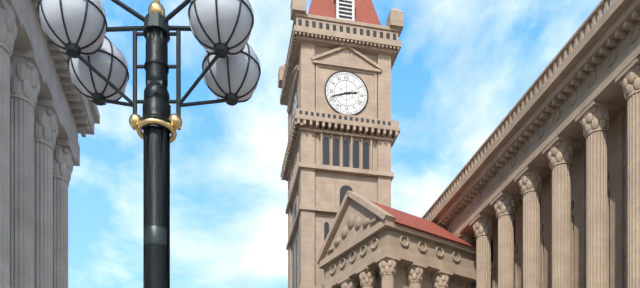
h=2 m=42
